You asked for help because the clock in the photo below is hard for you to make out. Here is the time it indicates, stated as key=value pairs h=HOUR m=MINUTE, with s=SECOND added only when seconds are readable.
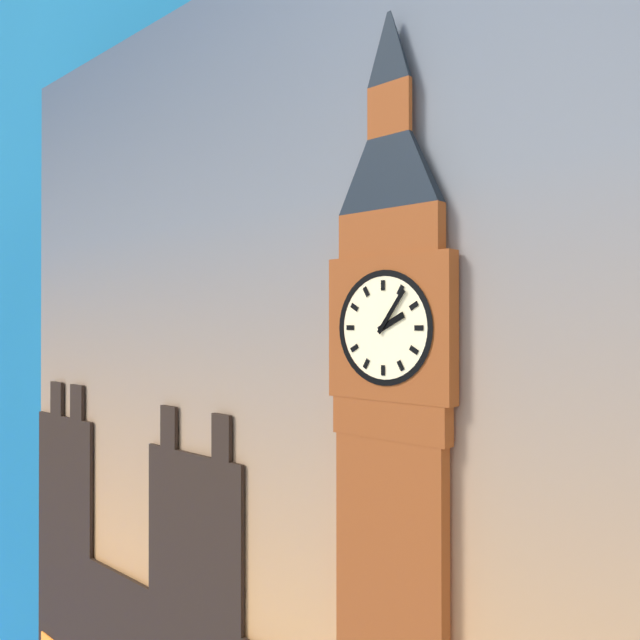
h=2 m=6
